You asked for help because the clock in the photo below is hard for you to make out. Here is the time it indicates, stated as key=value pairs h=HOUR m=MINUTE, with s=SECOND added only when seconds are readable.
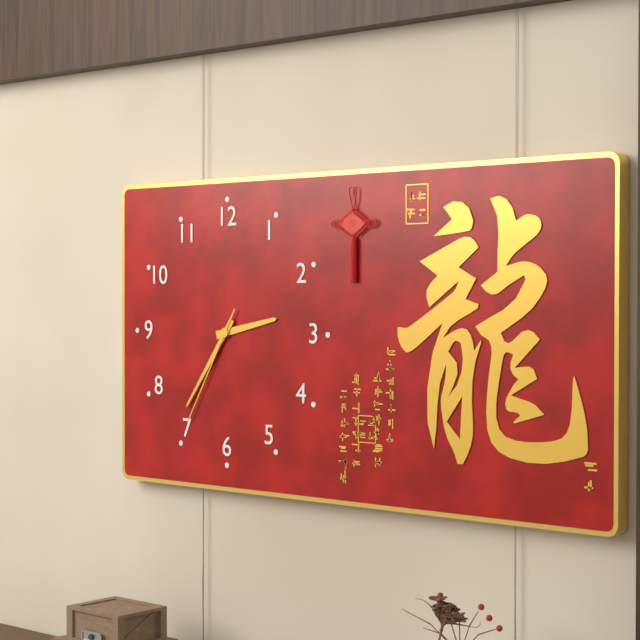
h=2 m=36 s=35
